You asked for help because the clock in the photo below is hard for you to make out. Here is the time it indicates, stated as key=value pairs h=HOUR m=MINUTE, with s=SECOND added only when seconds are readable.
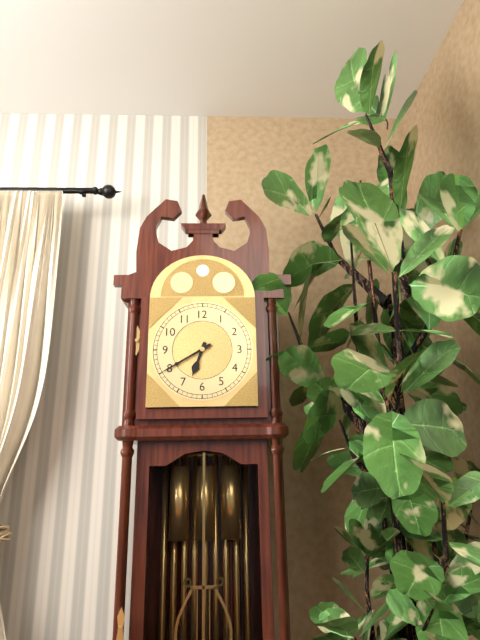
h=6 m=40
